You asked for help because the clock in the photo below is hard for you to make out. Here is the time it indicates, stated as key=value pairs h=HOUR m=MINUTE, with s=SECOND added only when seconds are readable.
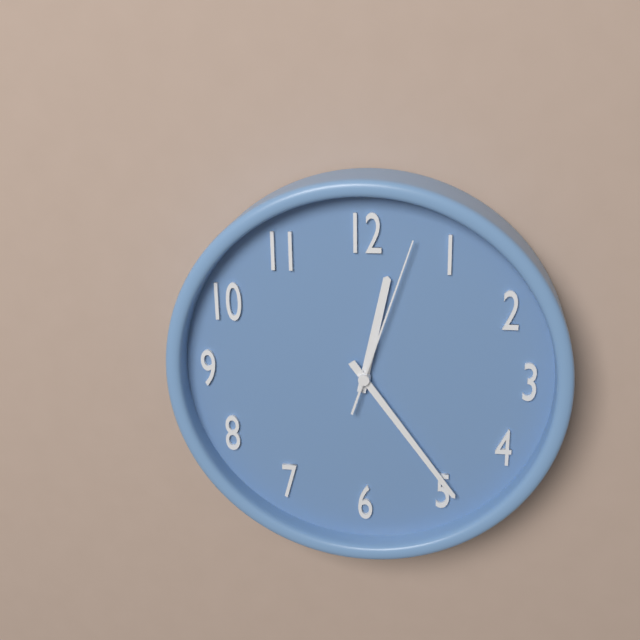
h=12 m=24 s=3
